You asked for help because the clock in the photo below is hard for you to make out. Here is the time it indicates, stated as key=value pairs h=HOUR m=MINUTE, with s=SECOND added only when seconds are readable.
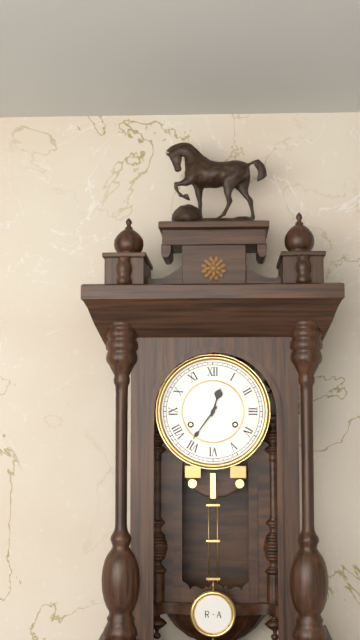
h=12 m=36
